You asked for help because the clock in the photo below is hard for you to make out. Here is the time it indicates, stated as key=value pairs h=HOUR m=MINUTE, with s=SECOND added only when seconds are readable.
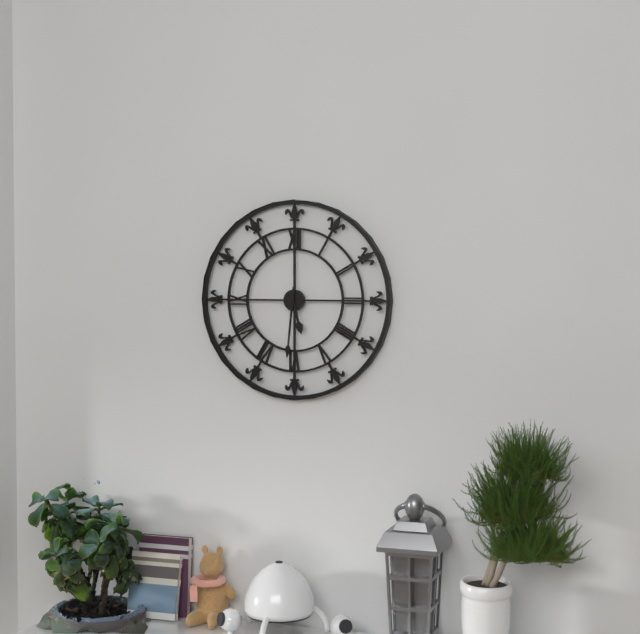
h=5 m=31
